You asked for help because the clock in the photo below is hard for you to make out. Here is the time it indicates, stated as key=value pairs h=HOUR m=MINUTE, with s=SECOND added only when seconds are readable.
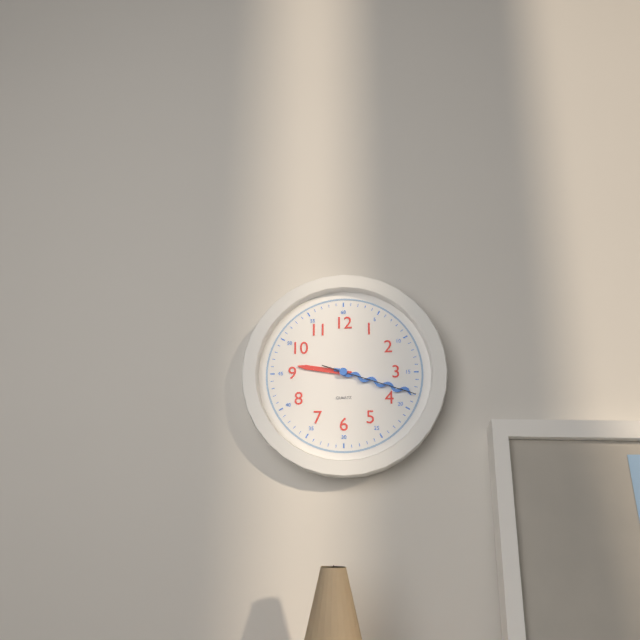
h=9 m=18 s=18
